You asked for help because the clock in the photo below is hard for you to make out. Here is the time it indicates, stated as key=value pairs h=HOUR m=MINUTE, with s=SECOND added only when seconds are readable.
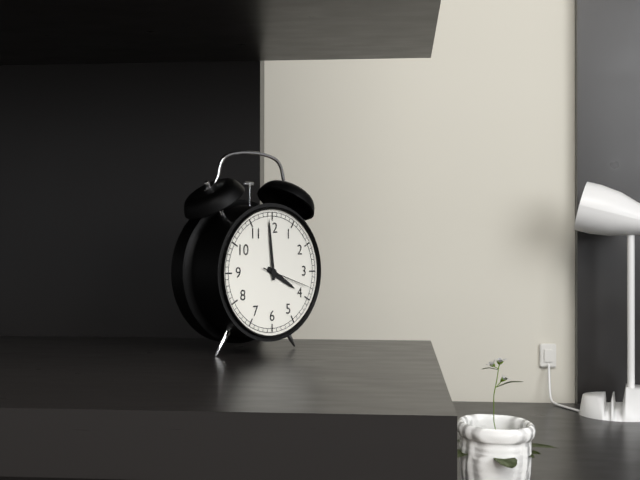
h=3 m=59 s=18
